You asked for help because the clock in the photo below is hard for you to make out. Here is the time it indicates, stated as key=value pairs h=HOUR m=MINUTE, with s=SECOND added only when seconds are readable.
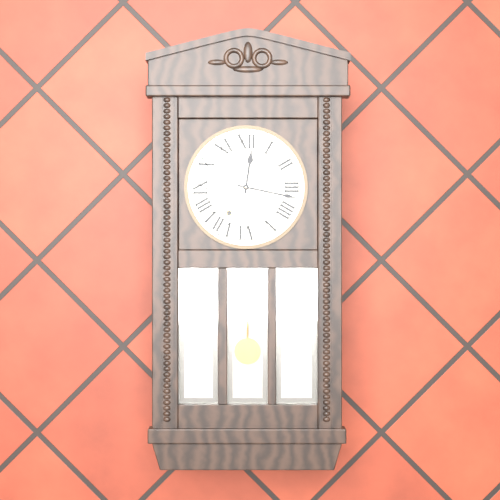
h=12 m=17
